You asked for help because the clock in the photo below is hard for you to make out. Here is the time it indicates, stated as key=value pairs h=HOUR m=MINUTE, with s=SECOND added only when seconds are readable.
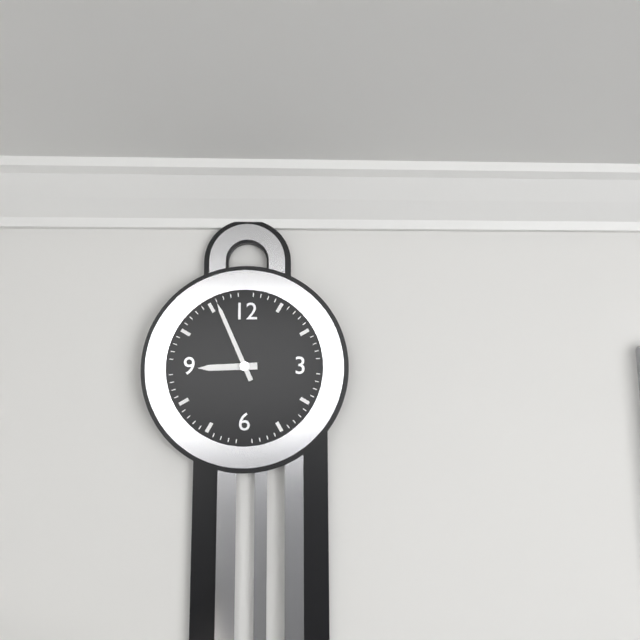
h=8 m=56
